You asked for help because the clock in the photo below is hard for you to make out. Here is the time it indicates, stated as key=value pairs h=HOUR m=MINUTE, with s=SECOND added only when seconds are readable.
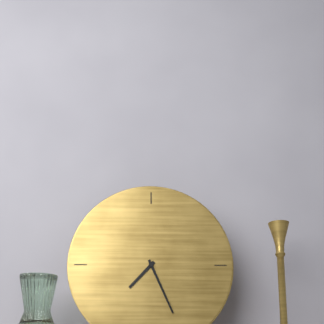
h=7 m=26
